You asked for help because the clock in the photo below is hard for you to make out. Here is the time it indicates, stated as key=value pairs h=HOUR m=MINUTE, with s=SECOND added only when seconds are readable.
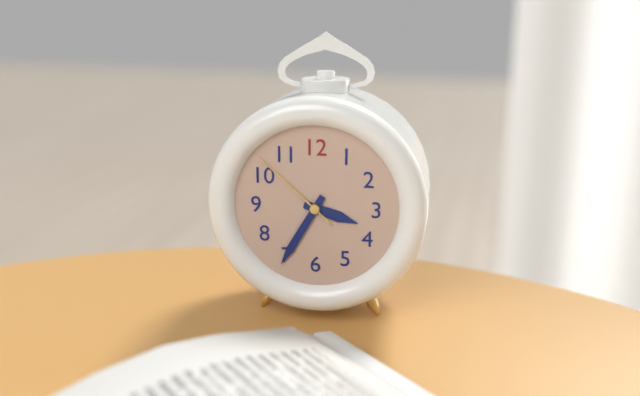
h=3 m=35 s=52
